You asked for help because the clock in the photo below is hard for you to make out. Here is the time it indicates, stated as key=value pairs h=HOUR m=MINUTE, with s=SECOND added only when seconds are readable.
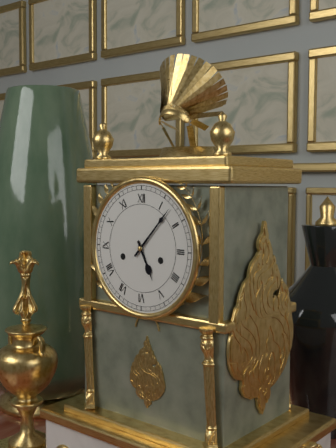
h=5 m=7
